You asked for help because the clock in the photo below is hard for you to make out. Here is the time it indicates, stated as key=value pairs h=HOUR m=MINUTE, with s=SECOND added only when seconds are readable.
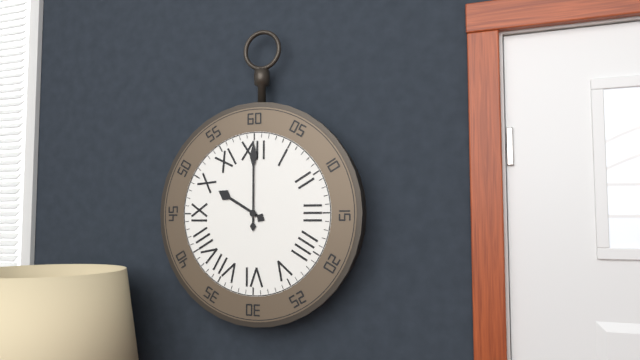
h=10 m=0
